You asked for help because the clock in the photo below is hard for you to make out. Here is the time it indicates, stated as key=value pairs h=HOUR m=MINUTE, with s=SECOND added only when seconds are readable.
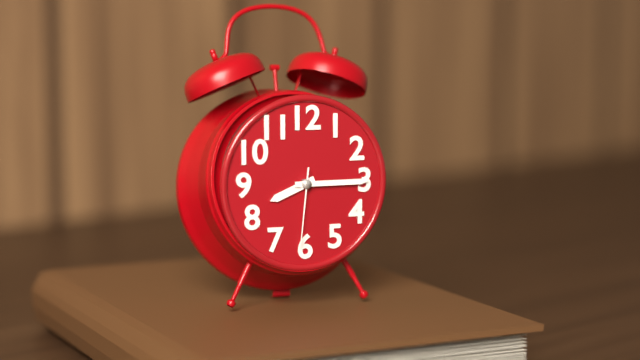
h=8 m=15 s=31
